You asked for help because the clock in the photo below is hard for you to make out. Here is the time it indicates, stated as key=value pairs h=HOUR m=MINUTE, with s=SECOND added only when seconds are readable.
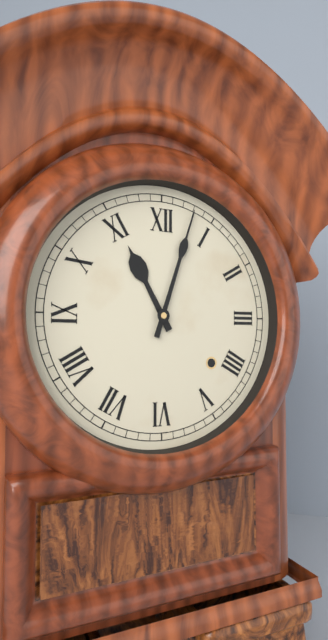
h=11 m=3
